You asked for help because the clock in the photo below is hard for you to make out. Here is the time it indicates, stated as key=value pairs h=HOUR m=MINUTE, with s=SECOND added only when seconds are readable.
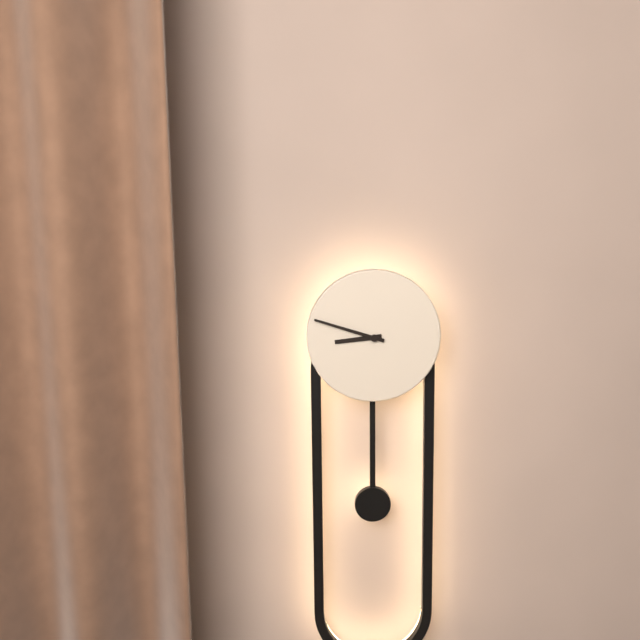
h=8 m=48
